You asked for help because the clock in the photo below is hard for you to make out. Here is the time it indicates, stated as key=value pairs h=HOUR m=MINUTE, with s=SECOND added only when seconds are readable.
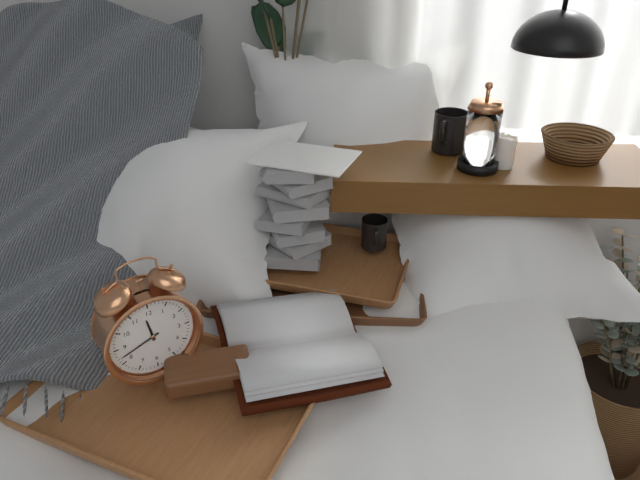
h=11 m=42
